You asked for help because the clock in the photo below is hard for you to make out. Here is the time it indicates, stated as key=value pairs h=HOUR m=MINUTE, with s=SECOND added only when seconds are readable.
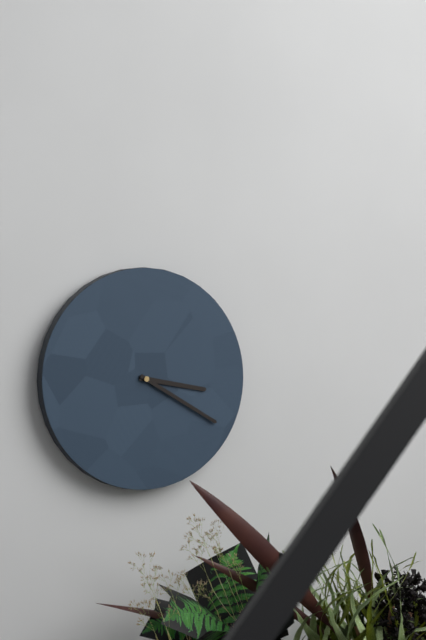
h=3 m=20
